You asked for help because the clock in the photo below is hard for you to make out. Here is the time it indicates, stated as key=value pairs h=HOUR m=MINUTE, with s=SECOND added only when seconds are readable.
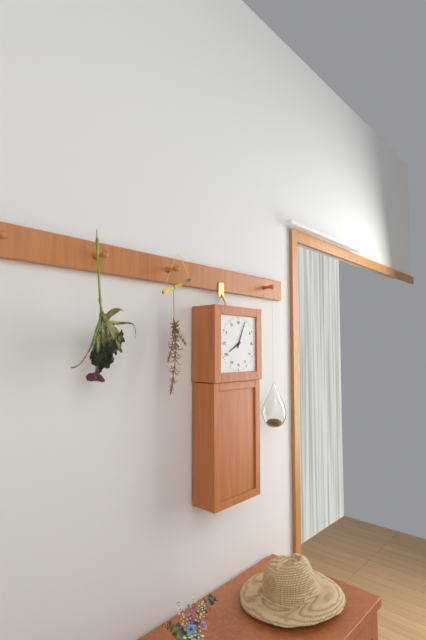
h=8 m=4
